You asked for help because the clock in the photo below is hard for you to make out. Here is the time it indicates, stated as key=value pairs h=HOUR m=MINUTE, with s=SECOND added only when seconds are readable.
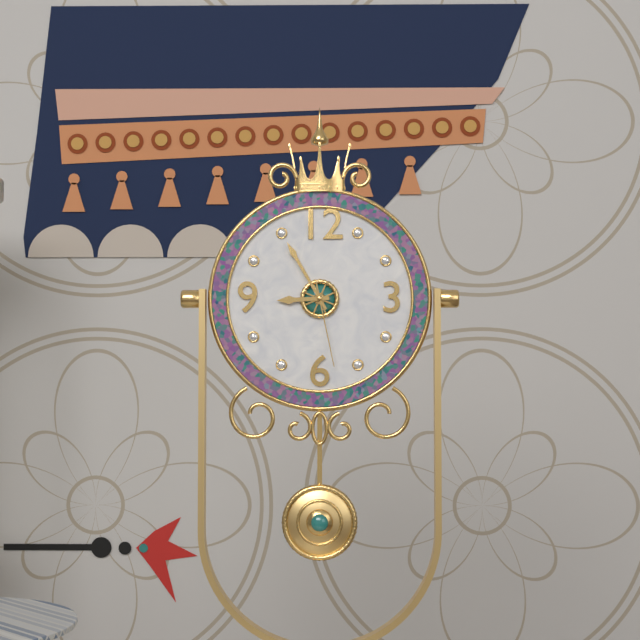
h=8 m=55 s=28
